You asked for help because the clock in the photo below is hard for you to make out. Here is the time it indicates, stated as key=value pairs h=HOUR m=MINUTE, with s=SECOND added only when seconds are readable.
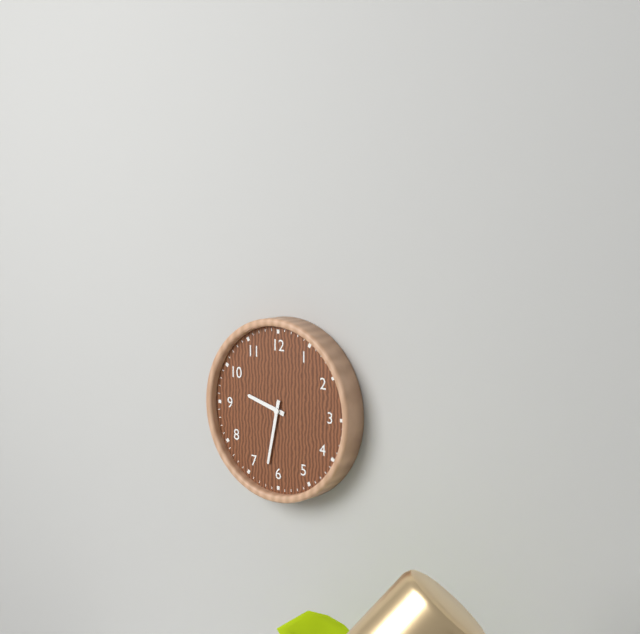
h=9 m=32
